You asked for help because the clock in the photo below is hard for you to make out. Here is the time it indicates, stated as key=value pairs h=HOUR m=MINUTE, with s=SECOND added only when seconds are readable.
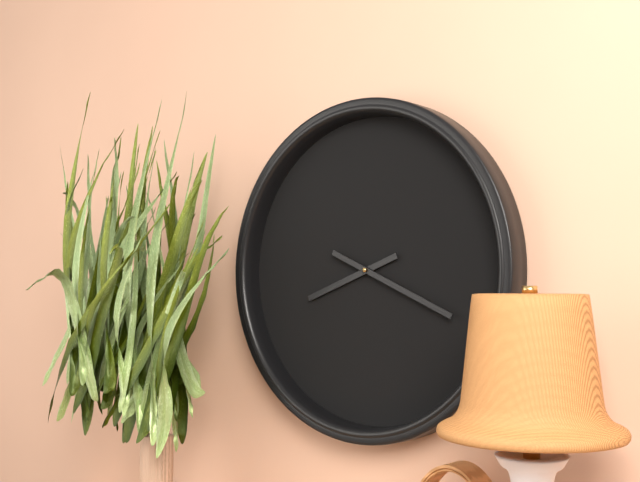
h=8 m=19
